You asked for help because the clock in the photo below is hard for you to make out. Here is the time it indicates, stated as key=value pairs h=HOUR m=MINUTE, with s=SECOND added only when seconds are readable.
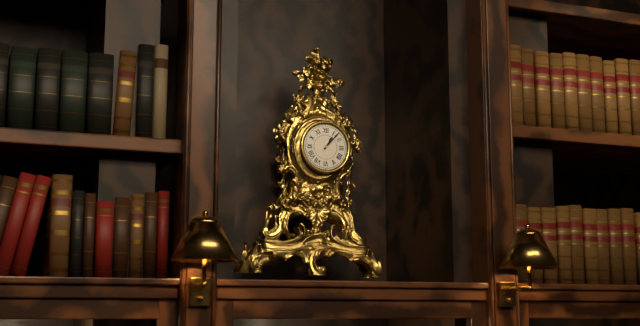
h=1 m=7
